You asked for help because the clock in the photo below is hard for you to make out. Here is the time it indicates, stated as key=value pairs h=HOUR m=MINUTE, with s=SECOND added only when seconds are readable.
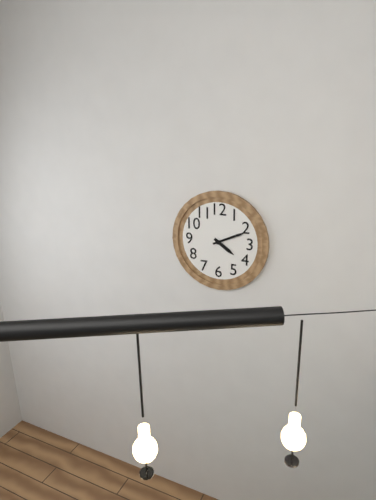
h=4 m=11
